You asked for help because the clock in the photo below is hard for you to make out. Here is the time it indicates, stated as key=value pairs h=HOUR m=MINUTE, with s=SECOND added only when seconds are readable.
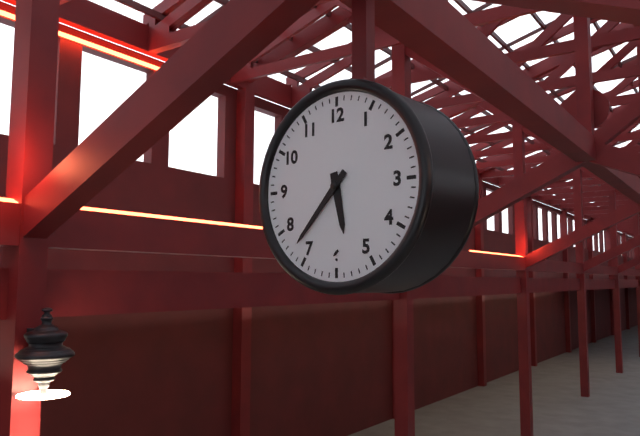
h=5 m=37
